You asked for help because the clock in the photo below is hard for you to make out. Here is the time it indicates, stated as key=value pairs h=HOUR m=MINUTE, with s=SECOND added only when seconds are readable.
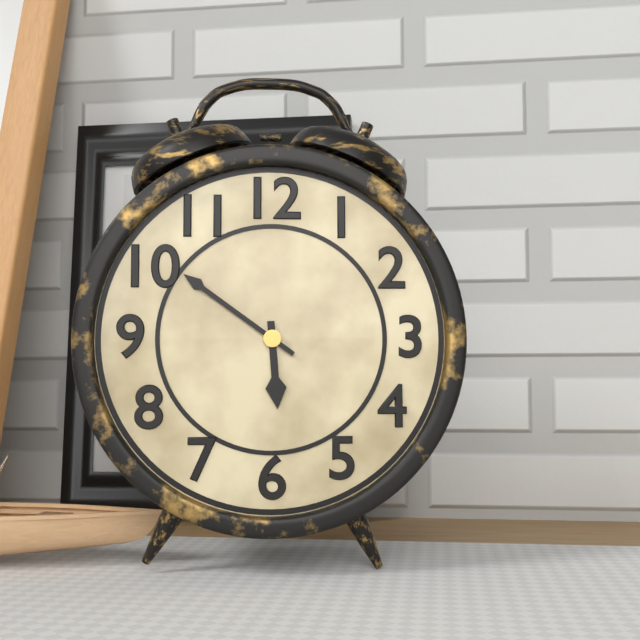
h=5 m=51
